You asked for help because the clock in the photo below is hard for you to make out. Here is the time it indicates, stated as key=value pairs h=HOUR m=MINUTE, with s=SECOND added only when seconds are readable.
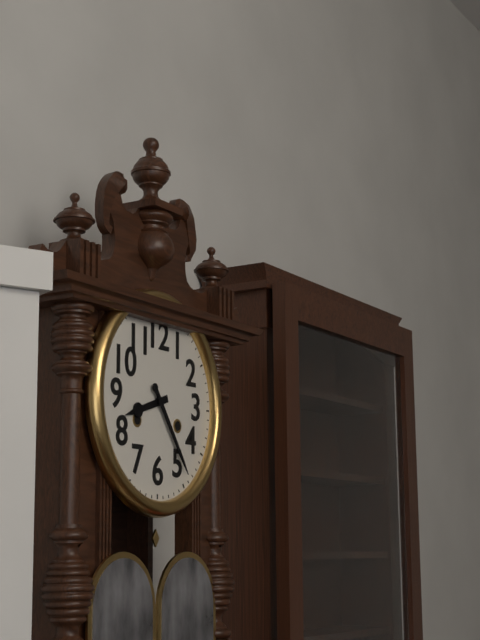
h=8 m=24
